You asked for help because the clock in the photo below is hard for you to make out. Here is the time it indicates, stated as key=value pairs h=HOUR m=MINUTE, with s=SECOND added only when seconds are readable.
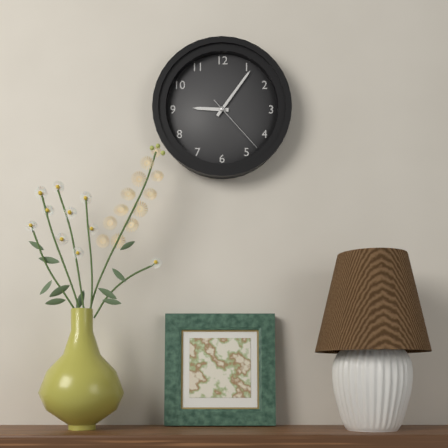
h=9 m=6 s=23
